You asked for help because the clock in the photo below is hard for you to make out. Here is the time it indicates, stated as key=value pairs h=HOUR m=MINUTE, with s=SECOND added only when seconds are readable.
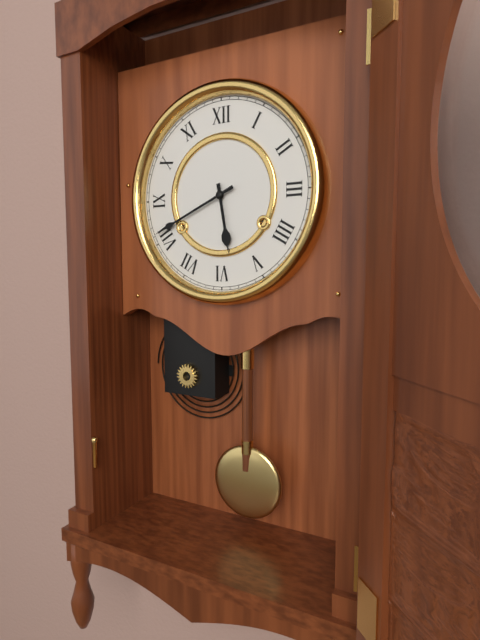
h=5 m=41
